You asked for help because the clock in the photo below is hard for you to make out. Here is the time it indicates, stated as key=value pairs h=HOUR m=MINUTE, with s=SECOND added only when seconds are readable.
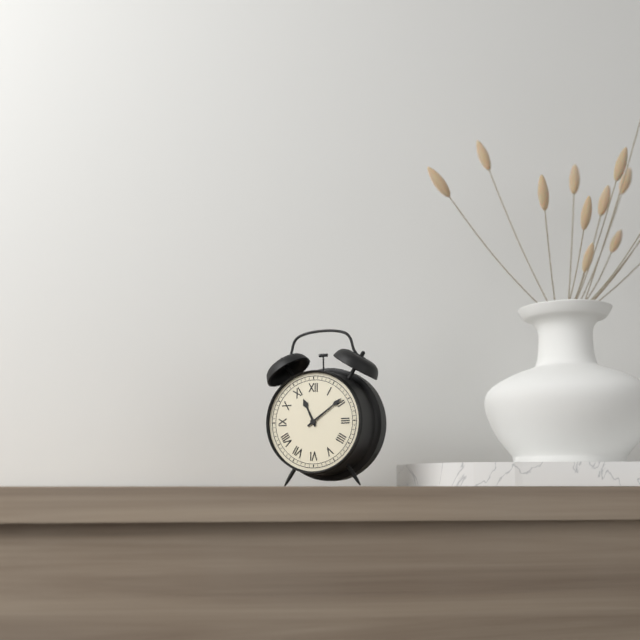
h=11 m=9
